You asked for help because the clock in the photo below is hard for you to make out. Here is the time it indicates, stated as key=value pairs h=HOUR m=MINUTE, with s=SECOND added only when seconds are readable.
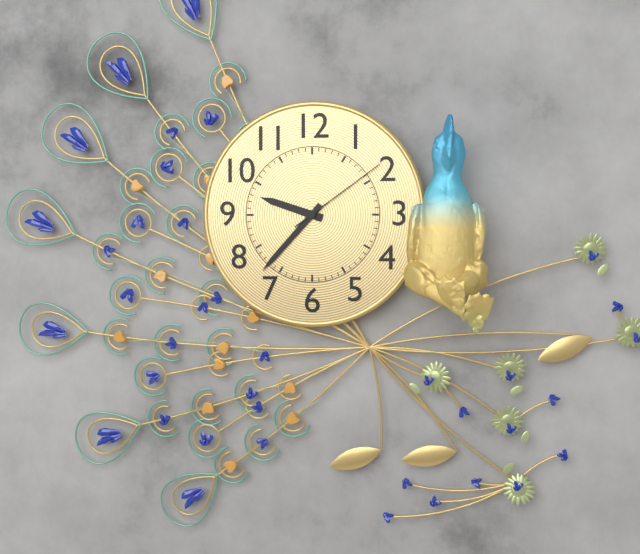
h=9 m=37 s=9
